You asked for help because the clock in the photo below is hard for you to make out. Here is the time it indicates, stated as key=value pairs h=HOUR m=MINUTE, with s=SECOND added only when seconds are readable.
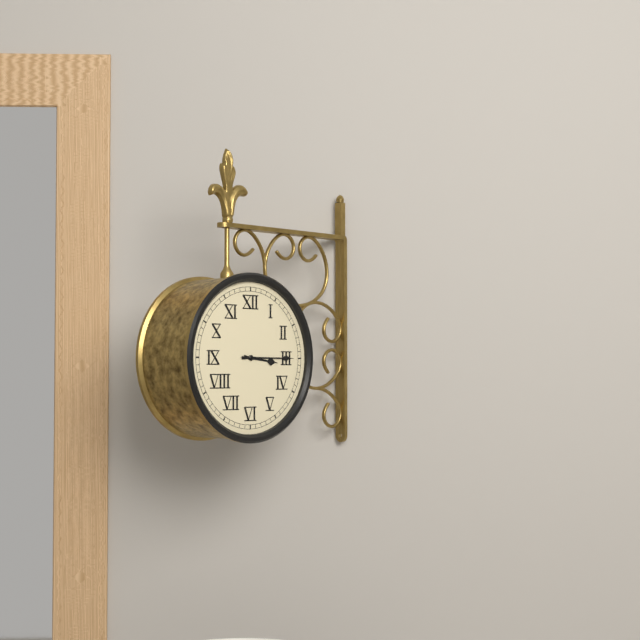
h=3 m=15
